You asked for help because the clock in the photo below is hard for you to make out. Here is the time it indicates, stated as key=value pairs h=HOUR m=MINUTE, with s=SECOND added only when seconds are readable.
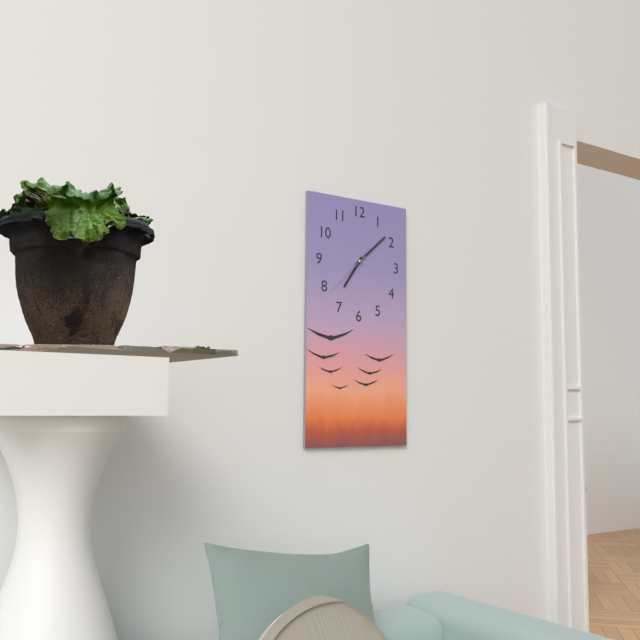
h=7 m=8
